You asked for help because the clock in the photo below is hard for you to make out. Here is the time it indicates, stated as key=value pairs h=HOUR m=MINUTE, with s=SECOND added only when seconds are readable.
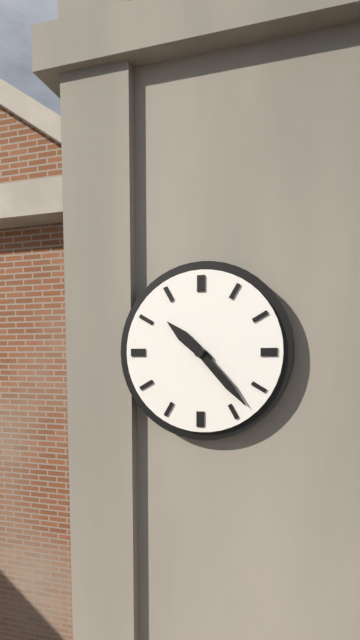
h=10 m=23
